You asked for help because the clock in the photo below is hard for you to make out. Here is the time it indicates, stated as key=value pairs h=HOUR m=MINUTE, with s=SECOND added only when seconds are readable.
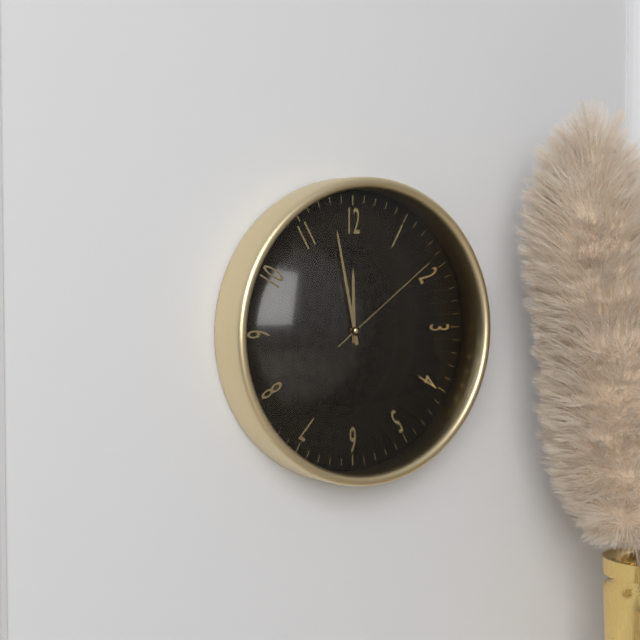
h=11 m=58 s=9
